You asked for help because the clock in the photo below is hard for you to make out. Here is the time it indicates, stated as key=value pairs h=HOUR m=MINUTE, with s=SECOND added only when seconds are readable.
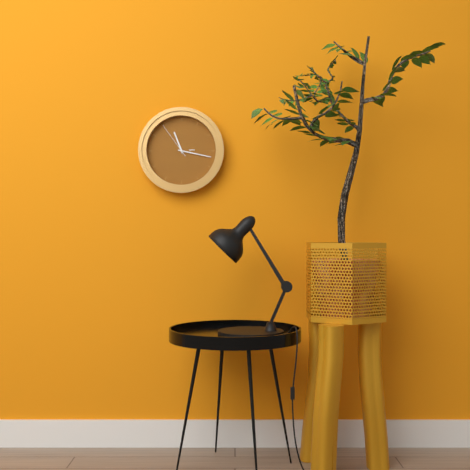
h=11 m=17
